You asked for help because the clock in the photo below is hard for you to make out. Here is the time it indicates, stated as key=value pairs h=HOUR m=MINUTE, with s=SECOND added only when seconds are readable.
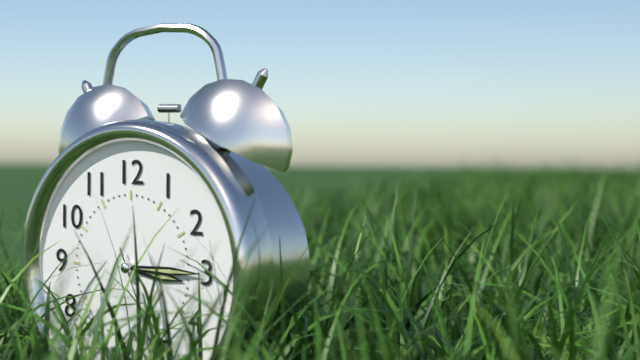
h=3 m=15
